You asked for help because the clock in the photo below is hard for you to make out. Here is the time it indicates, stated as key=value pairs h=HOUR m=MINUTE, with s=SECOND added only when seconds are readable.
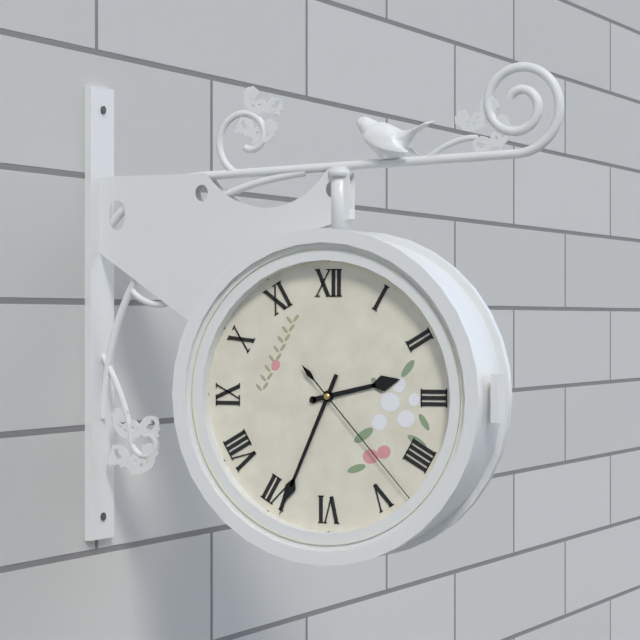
h=2 m=34 s=23
